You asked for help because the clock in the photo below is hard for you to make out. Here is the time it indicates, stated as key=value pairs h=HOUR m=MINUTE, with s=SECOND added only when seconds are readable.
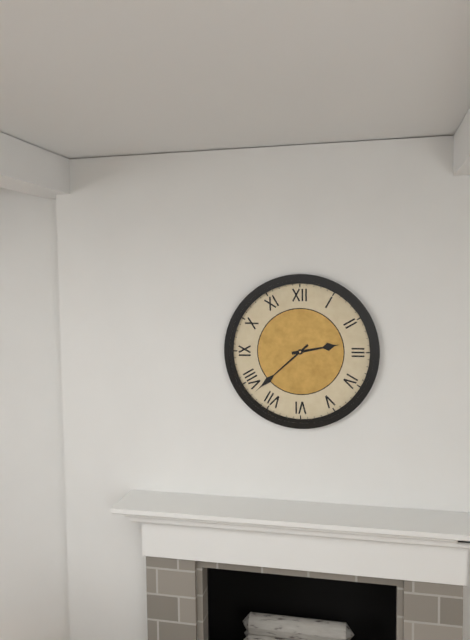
h=2 m=38
